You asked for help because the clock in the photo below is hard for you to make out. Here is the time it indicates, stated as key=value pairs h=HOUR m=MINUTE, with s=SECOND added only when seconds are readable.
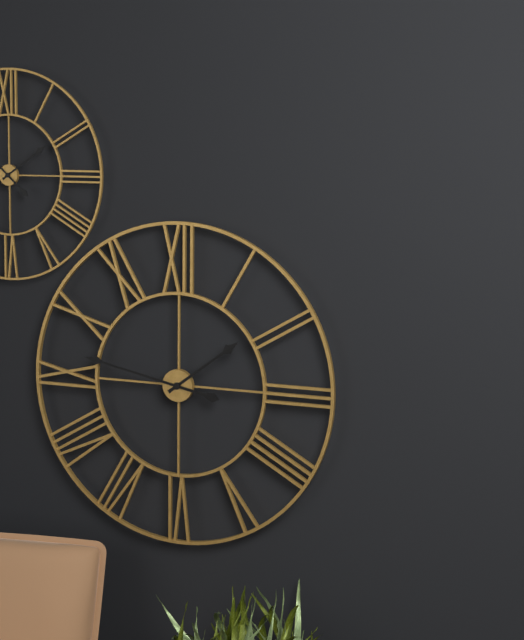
h=1 m=47
